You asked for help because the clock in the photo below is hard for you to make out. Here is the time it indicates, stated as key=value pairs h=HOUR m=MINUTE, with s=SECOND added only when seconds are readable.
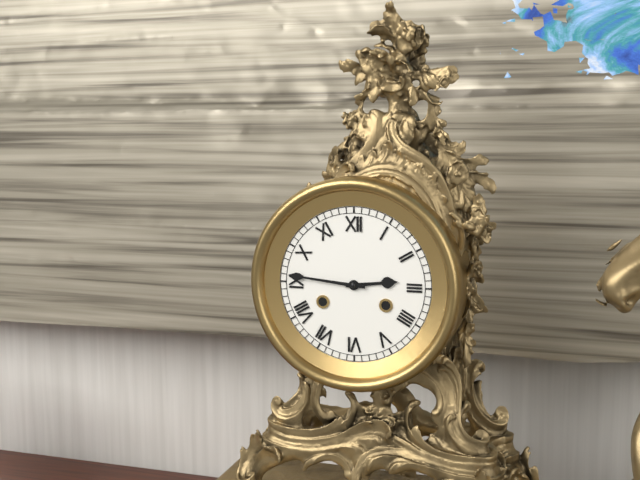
h=2 m=46
